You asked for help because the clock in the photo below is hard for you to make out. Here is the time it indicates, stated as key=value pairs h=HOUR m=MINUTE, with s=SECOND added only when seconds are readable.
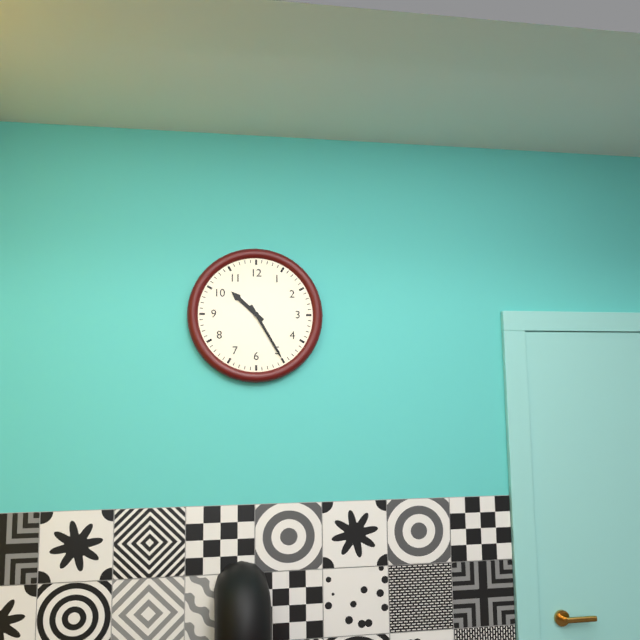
h=10 m=25
